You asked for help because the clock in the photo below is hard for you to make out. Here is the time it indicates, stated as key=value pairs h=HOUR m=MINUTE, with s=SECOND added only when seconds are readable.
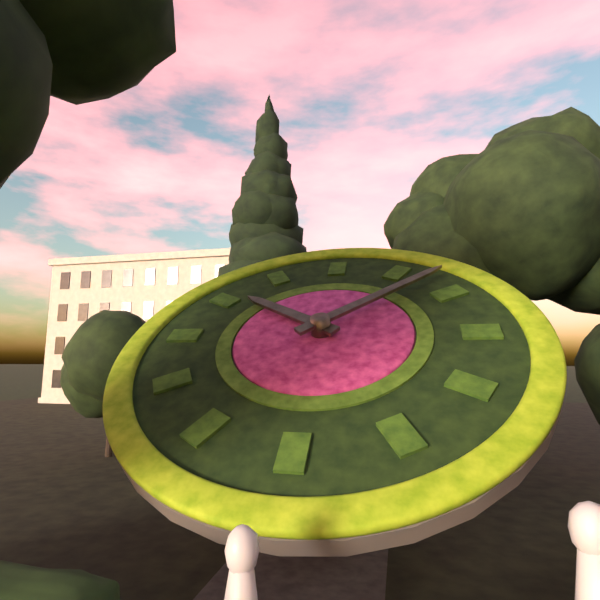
h=10 m=8
